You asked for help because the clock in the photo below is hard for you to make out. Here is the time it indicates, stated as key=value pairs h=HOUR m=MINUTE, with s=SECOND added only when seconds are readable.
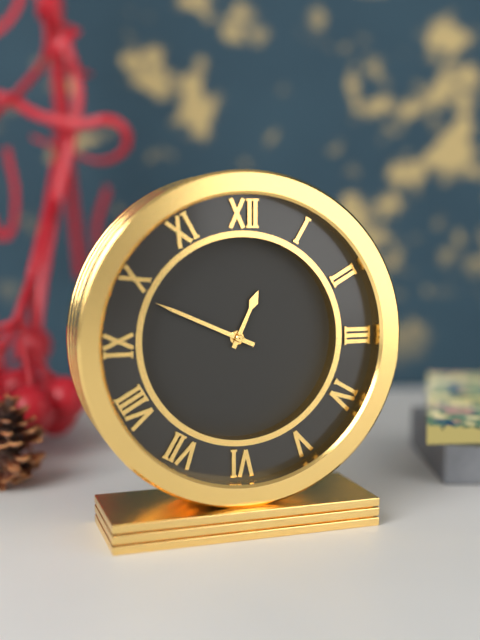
h=12 m=49
